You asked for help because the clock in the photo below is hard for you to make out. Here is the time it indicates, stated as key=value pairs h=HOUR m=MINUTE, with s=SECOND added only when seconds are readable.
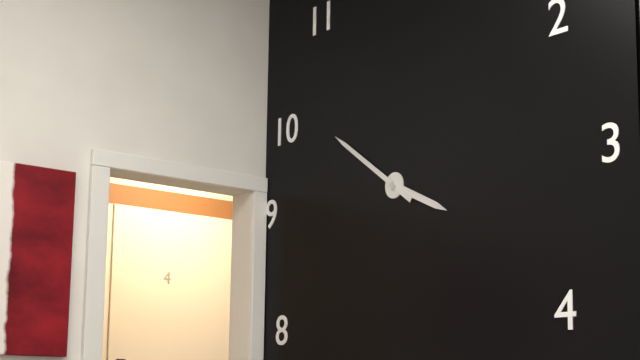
h=3 m=51
